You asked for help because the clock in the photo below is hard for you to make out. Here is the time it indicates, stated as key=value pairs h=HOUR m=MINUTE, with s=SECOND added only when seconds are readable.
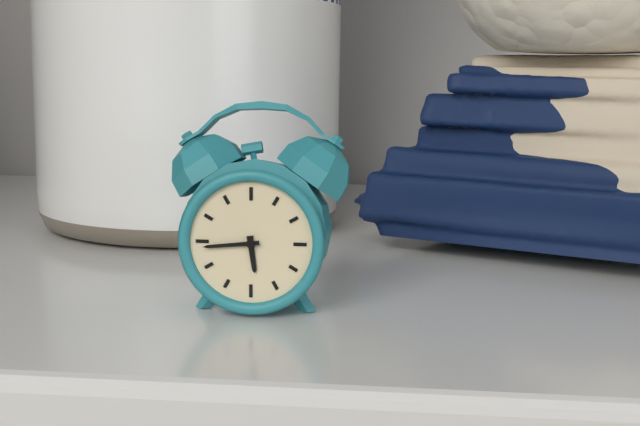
h=5 m=44
